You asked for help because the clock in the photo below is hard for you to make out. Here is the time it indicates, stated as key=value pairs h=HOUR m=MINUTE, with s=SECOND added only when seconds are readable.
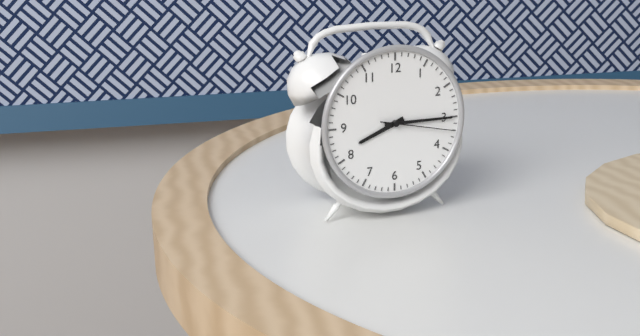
h=8 m=15 s=17
